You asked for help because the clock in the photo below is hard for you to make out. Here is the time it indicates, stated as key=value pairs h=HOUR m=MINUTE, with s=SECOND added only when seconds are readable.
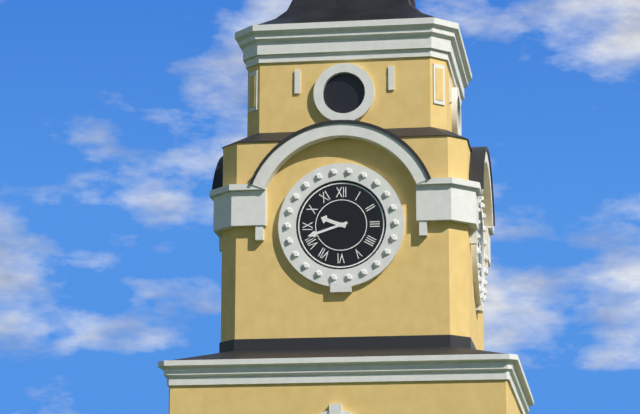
h=9 m=42
